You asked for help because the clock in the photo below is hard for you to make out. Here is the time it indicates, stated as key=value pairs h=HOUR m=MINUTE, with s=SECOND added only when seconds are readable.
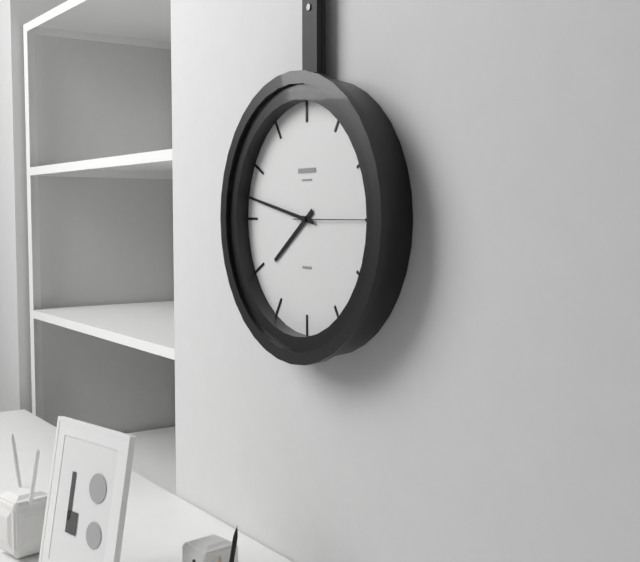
h=7 m=47 s=15
